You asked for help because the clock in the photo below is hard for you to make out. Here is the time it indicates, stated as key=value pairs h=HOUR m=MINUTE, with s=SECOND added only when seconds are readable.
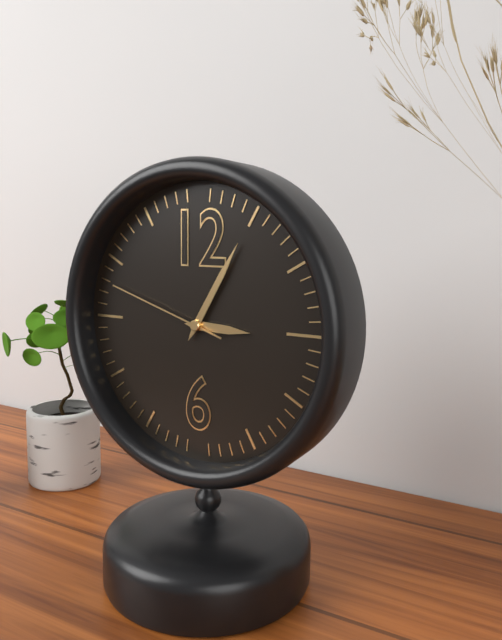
h=3 m=5 s=48
